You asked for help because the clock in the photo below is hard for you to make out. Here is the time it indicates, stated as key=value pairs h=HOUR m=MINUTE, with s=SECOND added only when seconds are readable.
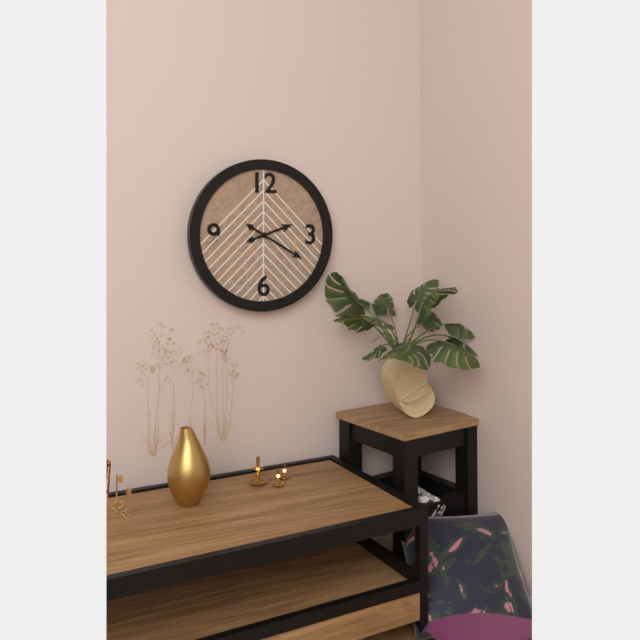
h=2 m=20
